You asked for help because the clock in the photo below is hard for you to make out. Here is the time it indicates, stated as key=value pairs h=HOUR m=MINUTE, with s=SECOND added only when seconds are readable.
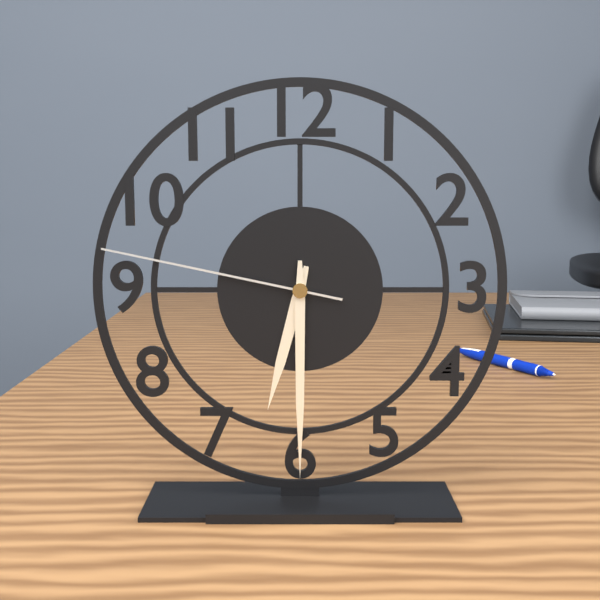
h=6 m=30 s=47
